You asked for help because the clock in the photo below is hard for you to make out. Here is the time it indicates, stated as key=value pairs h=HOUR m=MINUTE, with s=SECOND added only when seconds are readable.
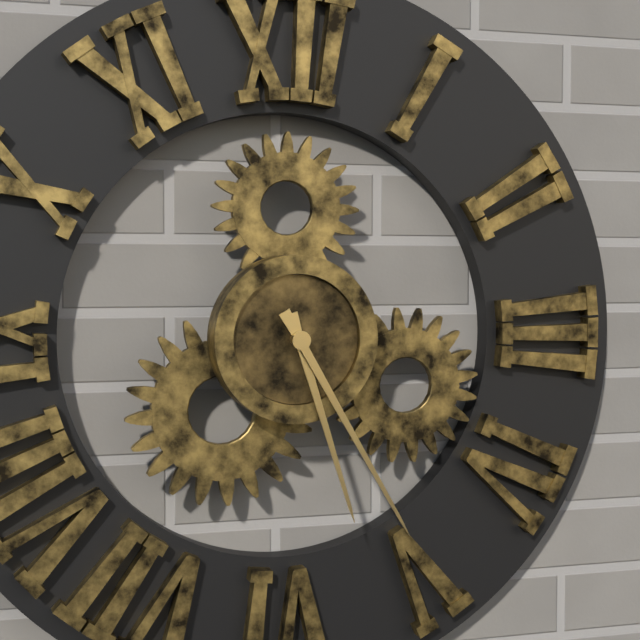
h=5 m=25
